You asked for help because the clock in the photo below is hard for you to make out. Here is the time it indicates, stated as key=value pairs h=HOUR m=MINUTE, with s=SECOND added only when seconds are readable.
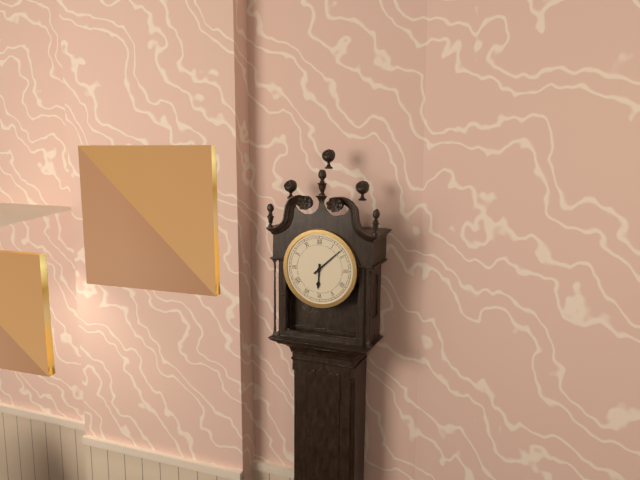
h=6 m=8
